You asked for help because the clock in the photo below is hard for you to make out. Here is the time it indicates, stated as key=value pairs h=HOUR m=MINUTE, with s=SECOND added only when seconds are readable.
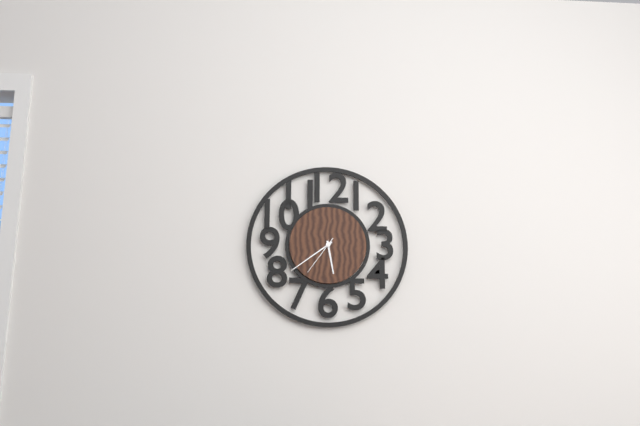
h=5 m=39
